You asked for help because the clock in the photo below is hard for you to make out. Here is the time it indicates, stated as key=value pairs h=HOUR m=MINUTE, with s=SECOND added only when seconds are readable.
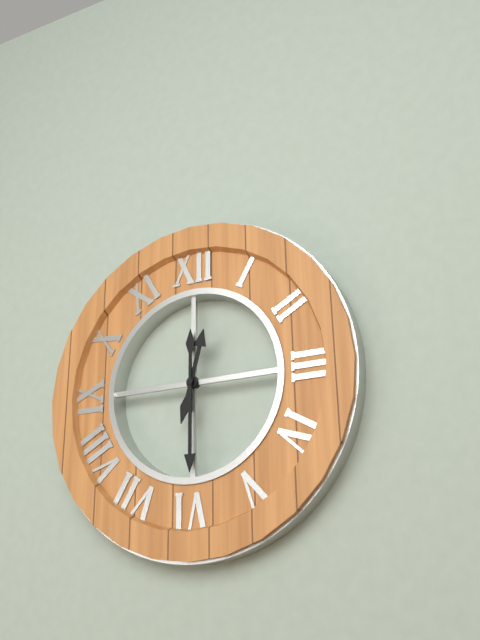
h=12 m=30
